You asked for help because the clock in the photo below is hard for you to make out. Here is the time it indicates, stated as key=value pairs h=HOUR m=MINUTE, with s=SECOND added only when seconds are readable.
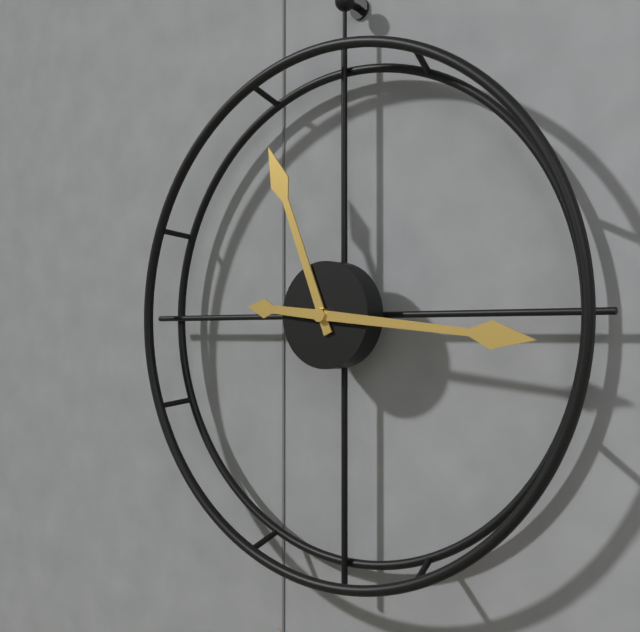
h=11 m=16
